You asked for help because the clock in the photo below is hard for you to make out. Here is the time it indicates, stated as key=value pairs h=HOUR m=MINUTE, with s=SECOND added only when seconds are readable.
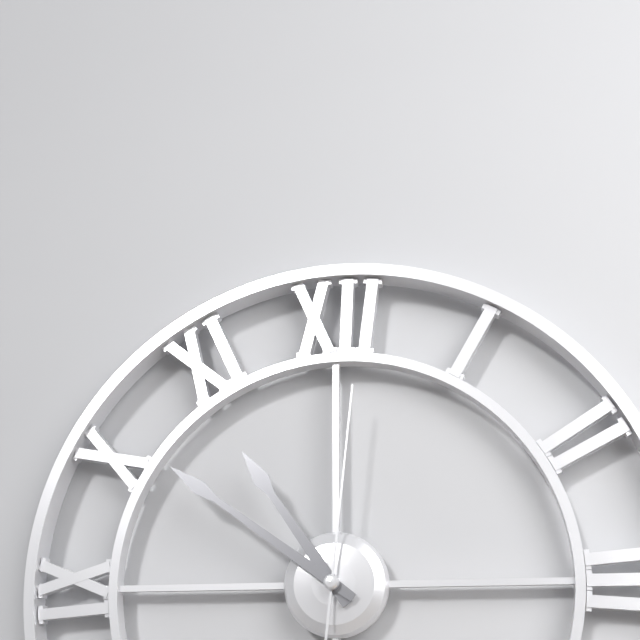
h=10 m=51 s=1
